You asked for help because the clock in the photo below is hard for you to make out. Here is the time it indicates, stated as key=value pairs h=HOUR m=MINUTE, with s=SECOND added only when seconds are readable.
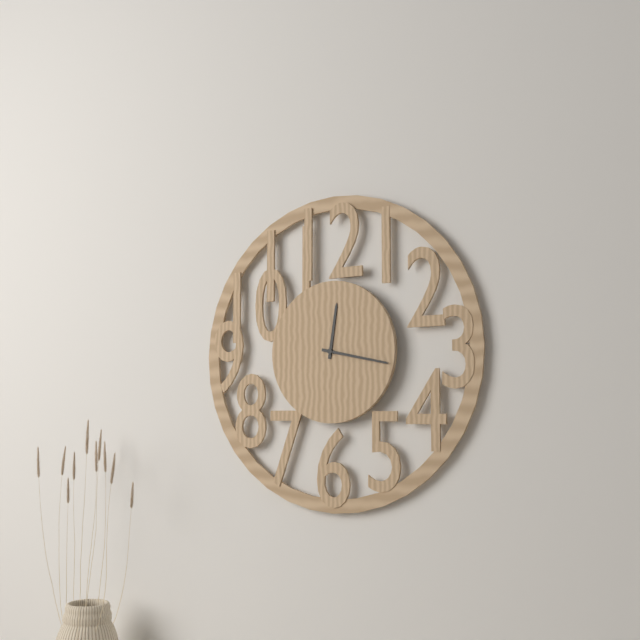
h=12 m=17
